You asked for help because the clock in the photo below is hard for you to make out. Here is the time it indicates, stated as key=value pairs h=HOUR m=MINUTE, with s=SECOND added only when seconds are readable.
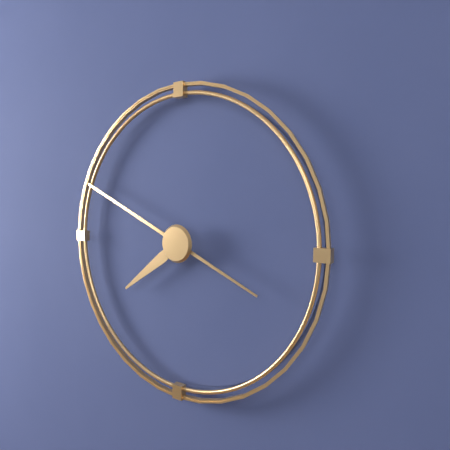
h=7 m=49
